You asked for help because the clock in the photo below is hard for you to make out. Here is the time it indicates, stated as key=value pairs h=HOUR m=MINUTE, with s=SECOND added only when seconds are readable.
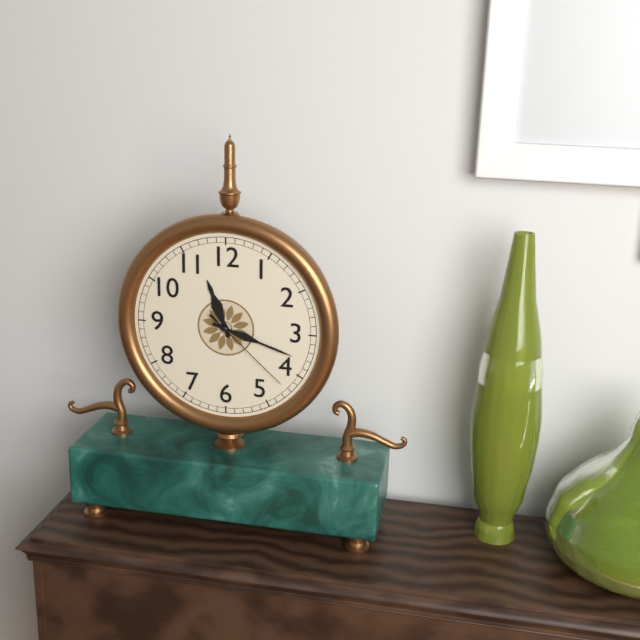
h=11 m=18 s=22
